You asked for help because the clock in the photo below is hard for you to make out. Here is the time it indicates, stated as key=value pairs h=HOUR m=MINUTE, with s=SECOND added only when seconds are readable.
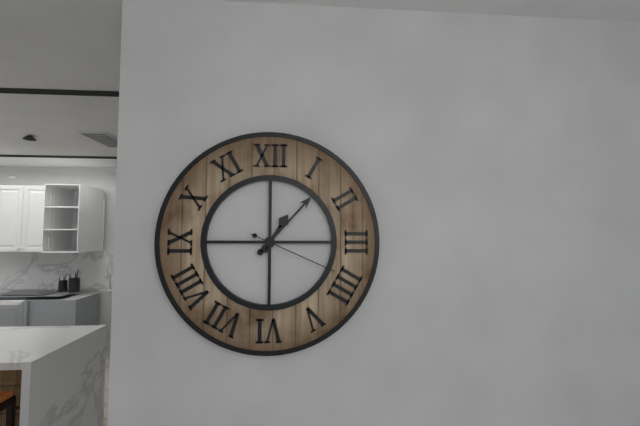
h=1 m=7 s=19
